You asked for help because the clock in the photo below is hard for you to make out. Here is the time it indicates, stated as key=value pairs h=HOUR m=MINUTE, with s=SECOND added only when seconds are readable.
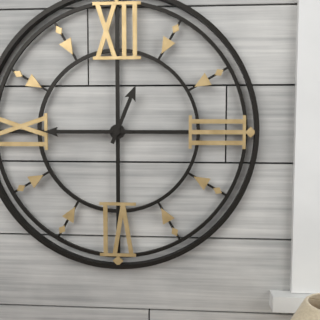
h=12 m=45
